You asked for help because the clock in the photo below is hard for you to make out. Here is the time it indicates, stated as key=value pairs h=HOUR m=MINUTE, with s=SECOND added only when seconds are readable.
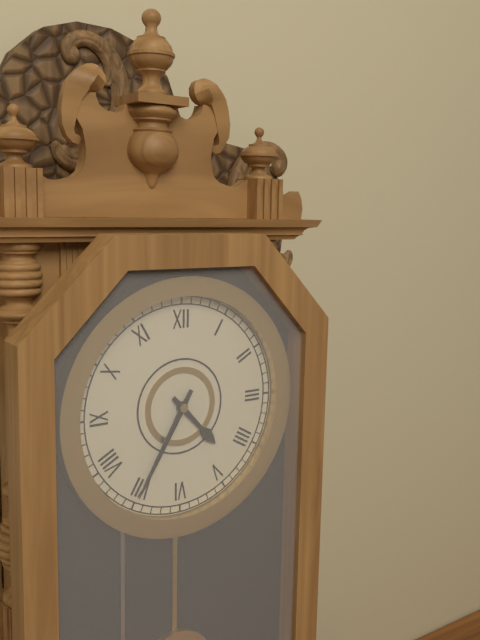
h=4 m=35
